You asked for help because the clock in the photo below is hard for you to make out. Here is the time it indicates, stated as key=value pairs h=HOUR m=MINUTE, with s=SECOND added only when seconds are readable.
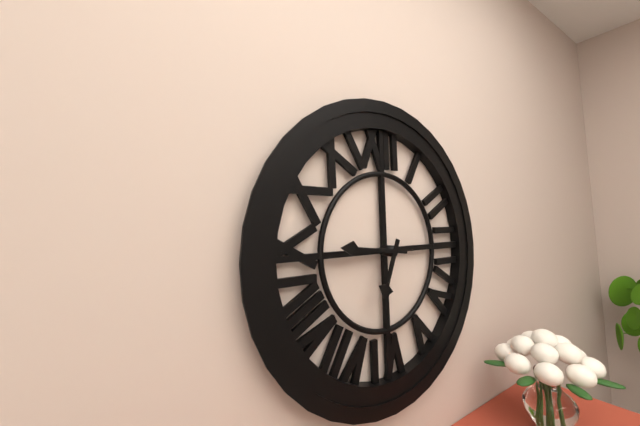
h=6 m=46
